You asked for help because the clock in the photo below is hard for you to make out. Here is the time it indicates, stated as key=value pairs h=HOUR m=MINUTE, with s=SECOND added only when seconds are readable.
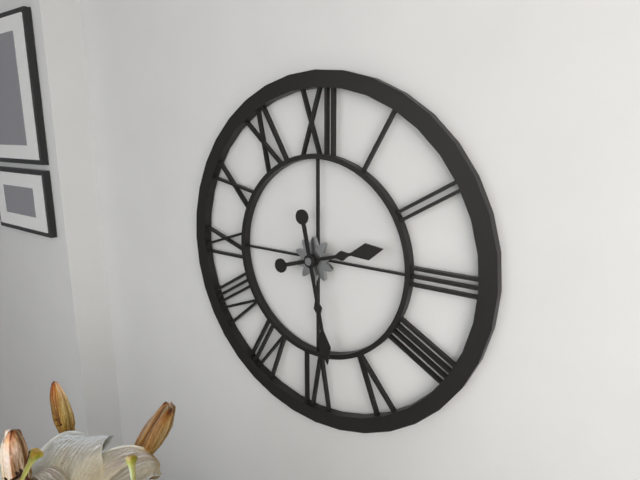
h=2 m=28
